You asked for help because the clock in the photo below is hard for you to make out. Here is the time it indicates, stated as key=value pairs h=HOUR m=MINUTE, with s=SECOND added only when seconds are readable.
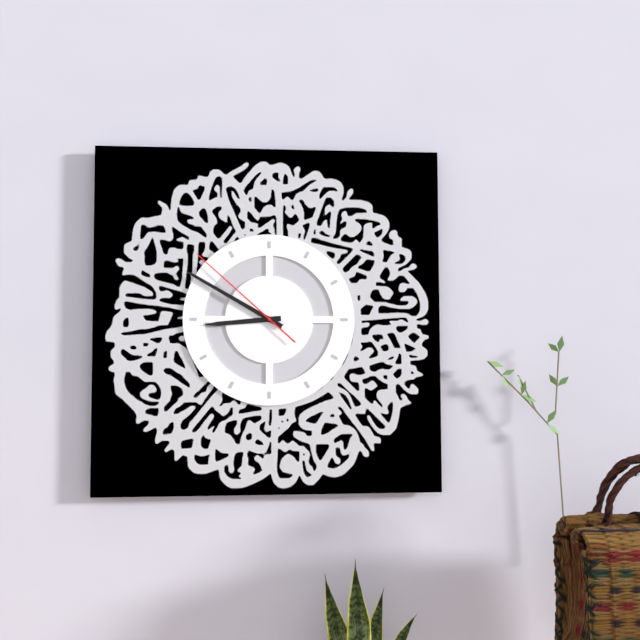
h=8 m=50 s=52
